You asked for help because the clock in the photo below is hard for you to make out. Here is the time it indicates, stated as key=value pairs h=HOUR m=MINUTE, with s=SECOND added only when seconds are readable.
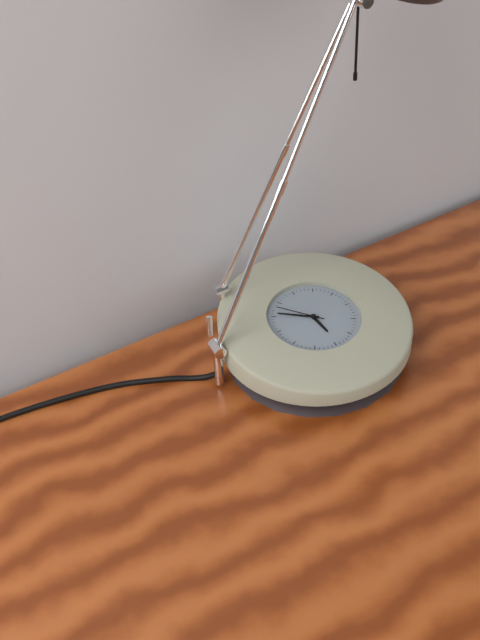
h=5 m=51
